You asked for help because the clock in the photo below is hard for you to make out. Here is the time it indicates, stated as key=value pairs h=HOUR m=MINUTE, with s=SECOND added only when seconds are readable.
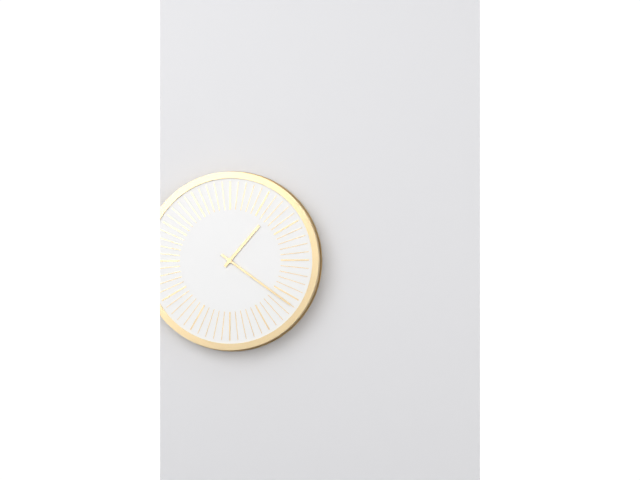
h=1 m=21
